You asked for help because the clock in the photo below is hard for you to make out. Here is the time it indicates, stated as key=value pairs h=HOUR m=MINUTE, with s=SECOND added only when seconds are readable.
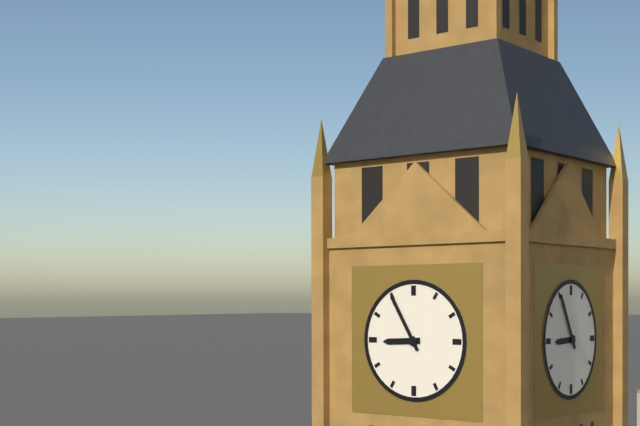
h=8 m=55
